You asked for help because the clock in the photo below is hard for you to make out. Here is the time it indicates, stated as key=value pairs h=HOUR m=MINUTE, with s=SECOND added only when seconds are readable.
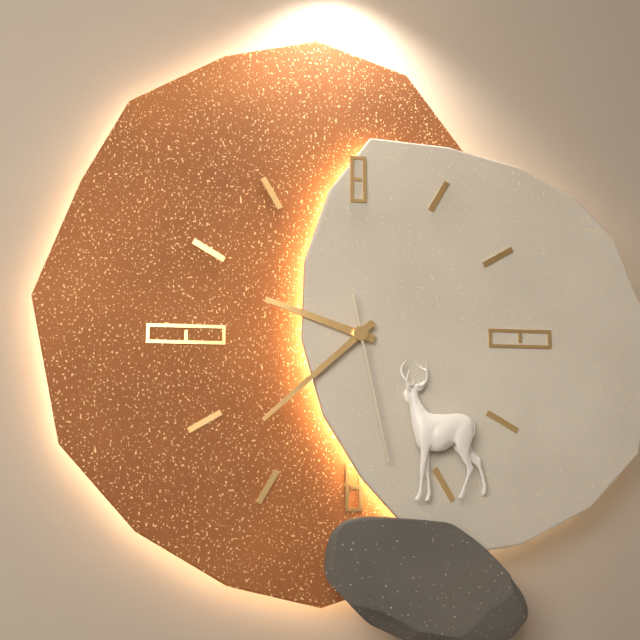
h=9 m=38 s=28
